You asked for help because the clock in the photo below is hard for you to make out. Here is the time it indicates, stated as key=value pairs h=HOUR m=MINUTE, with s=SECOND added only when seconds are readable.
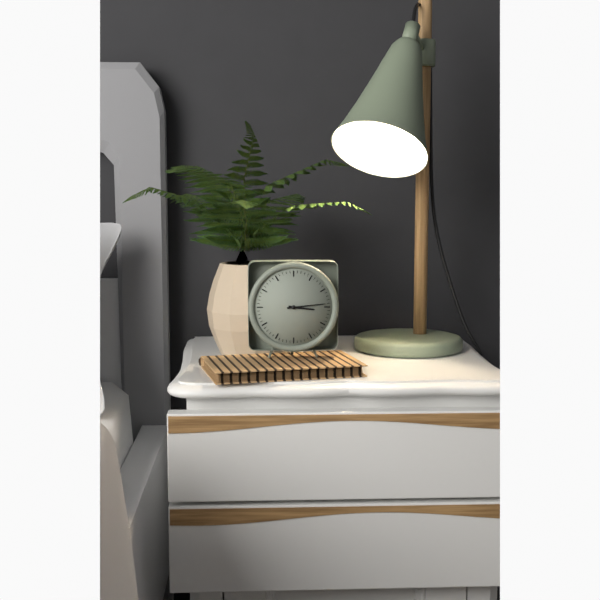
h=3 m=14
